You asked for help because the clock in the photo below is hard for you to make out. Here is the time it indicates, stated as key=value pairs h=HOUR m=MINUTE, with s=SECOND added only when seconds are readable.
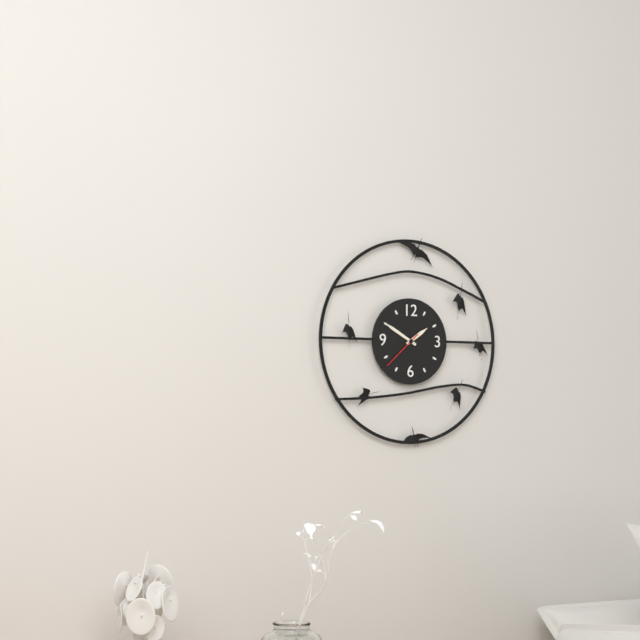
h=1 m=50
